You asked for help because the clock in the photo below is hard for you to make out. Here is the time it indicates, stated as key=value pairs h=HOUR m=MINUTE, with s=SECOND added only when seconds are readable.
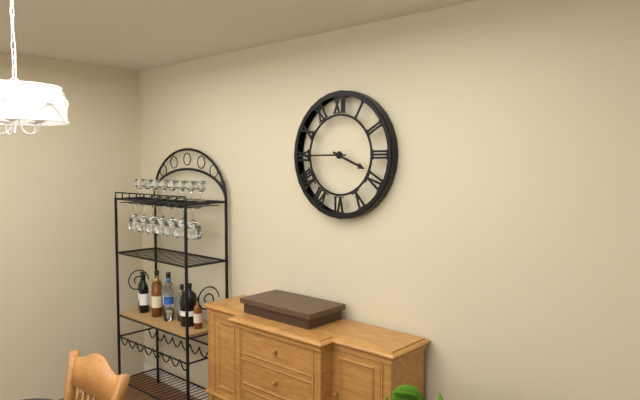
h=3 m=45
